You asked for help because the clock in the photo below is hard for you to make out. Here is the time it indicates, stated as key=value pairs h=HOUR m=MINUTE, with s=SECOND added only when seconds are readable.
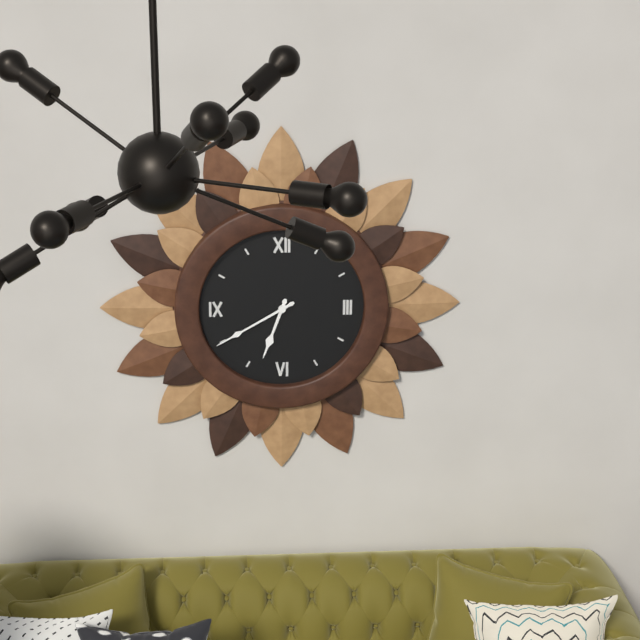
h=6 m=40
